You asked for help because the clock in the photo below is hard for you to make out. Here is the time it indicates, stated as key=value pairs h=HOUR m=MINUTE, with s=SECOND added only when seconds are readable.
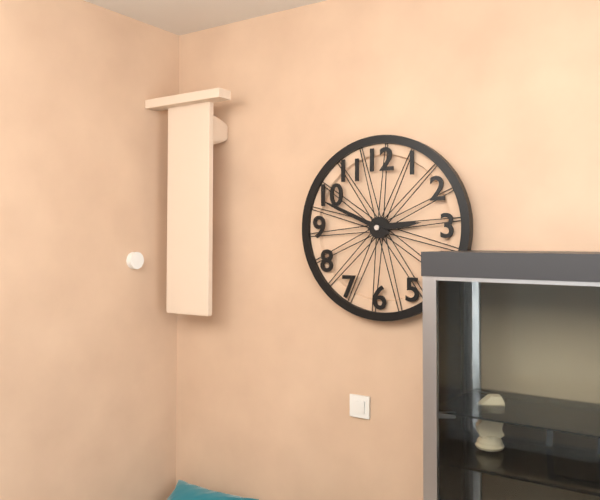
h=2 m=49
